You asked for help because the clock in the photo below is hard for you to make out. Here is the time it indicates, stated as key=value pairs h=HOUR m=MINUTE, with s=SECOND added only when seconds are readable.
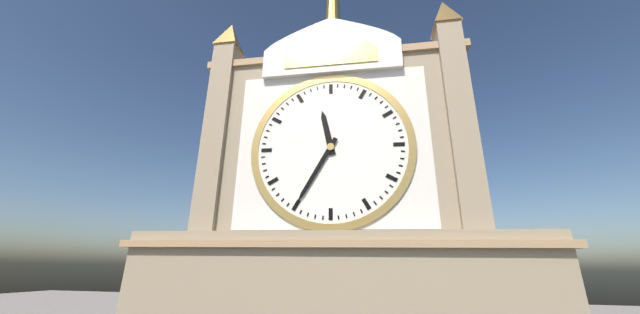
h=11 m=35
